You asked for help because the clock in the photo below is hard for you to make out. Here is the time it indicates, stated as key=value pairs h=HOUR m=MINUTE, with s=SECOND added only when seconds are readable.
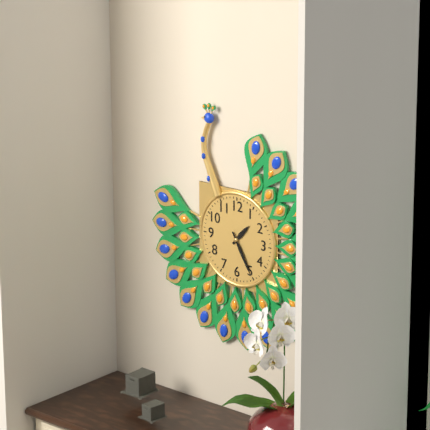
h=1 m=25
